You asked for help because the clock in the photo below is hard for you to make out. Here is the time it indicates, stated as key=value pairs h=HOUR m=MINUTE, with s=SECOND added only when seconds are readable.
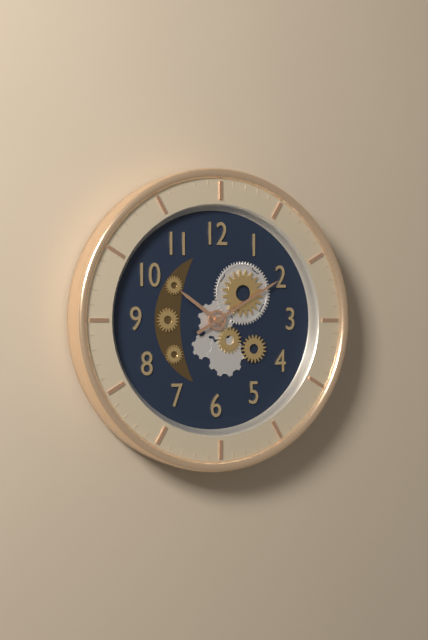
h=10 m=10
